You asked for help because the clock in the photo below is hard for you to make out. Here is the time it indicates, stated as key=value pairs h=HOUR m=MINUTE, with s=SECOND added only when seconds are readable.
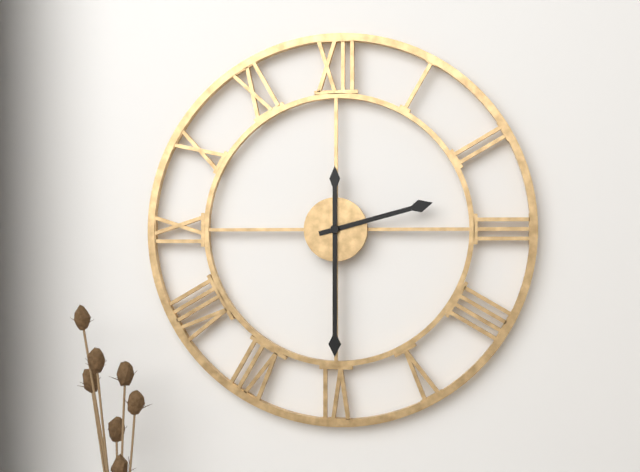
h=2 m=30
